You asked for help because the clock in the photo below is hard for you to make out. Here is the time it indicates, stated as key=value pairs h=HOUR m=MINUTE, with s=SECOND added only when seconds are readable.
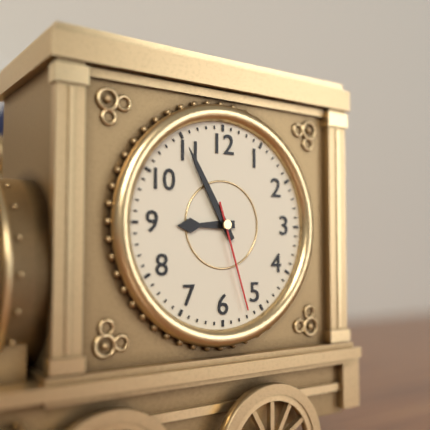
h=8 m=55 s=27
